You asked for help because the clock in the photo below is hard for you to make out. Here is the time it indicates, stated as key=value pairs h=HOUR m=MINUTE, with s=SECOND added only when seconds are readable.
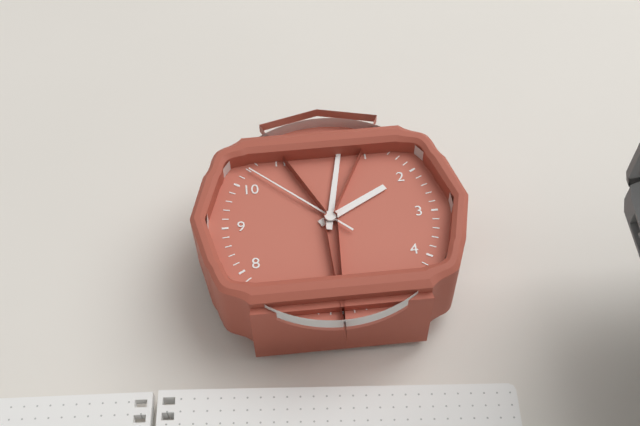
h=2 m=2 s=52
